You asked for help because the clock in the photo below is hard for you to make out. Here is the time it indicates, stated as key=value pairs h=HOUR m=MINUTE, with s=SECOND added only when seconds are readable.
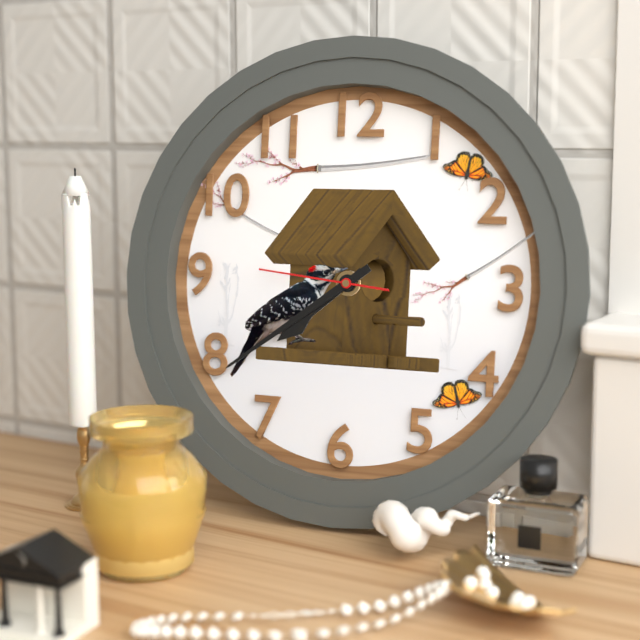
h=7 m=39 s=46
